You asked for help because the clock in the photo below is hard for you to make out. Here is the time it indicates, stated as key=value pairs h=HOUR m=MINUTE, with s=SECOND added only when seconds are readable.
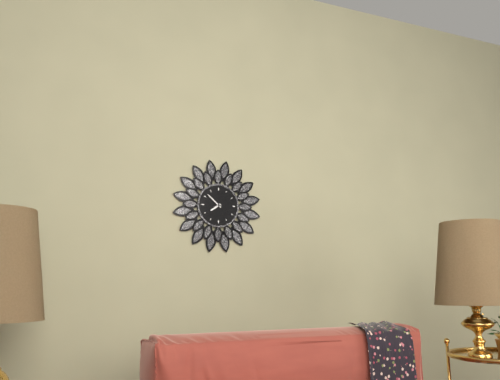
h=7 m=52
